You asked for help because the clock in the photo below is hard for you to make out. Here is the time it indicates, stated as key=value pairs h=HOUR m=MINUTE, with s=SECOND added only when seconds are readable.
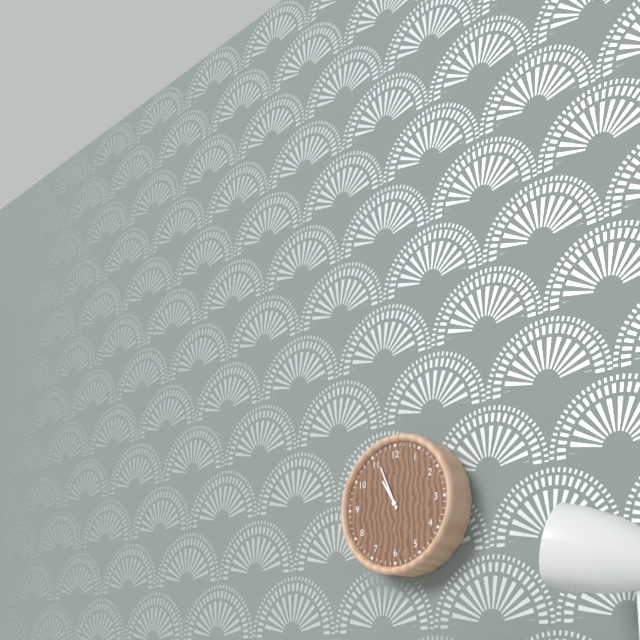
h=10 m=56
